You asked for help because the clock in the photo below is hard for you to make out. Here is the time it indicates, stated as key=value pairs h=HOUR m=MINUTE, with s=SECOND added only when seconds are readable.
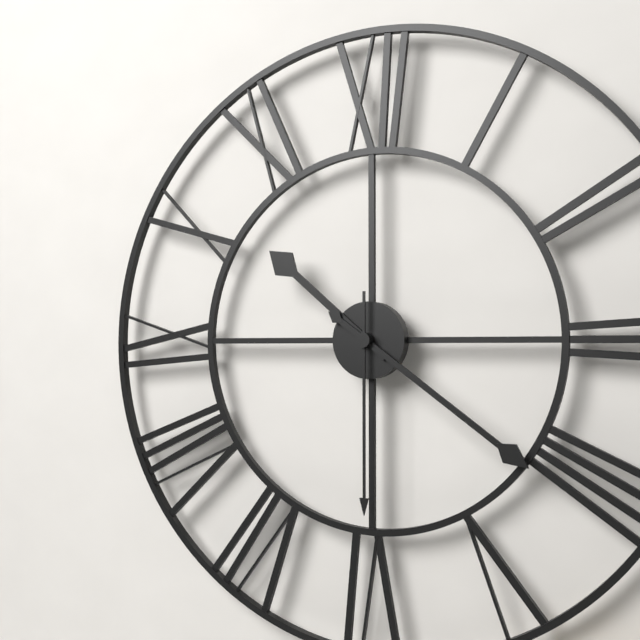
h=10 m=21 s=30
